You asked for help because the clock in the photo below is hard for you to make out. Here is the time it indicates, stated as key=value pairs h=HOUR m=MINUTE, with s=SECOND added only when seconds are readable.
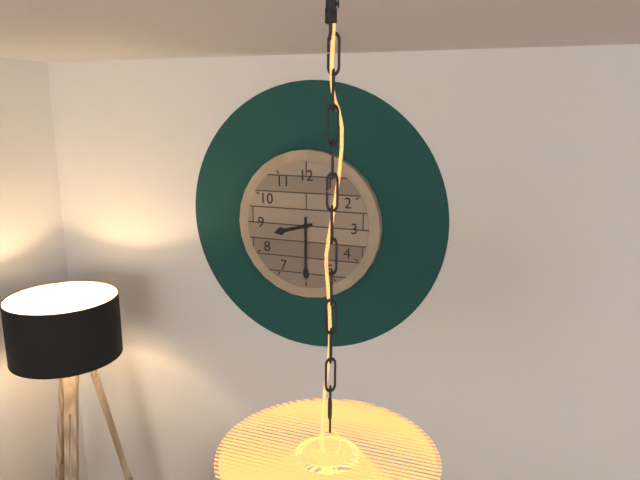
h=8 m=30
